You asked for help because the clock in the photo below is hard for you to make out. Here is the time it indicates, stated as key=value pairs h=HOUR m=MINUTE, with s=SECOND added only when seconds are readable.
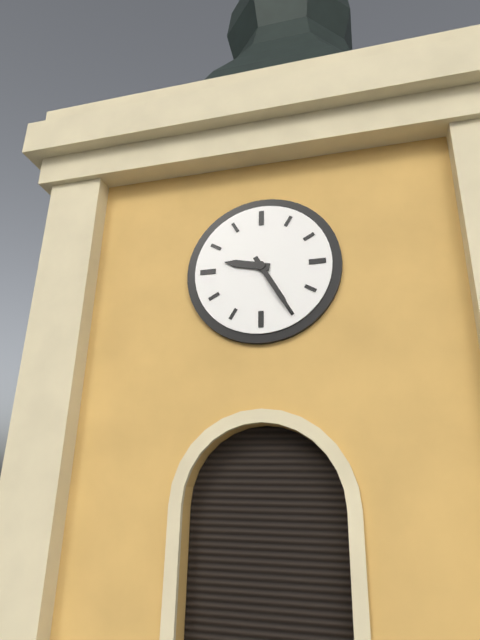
h=9 m=25
